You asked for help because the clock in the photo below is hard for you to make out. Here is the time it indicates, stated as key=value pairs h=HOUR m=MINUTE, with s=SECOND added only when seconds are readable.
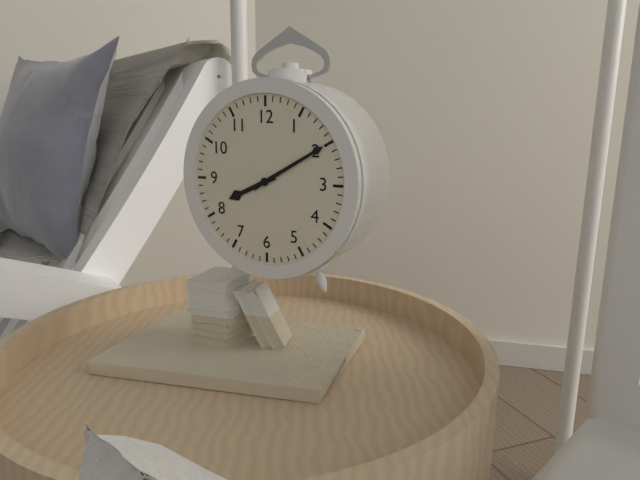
h=8 m=10
